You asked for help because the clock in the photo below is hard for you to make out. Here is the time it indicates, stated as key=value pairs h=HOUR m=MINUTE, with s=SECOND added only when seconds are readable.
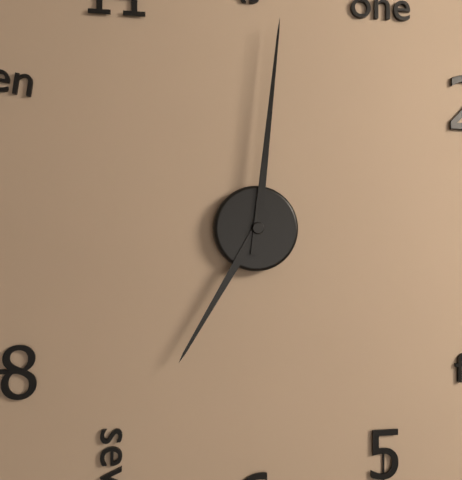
h=7 m=1
